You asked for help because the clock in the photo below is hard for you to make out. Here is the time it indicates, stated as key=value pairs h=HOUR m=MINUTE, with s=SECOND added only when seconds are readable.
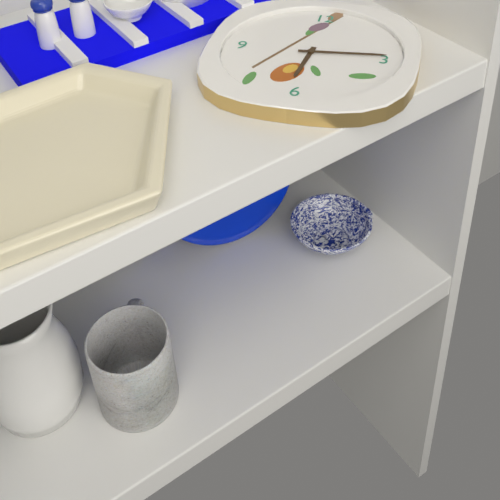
h=6 m=14
